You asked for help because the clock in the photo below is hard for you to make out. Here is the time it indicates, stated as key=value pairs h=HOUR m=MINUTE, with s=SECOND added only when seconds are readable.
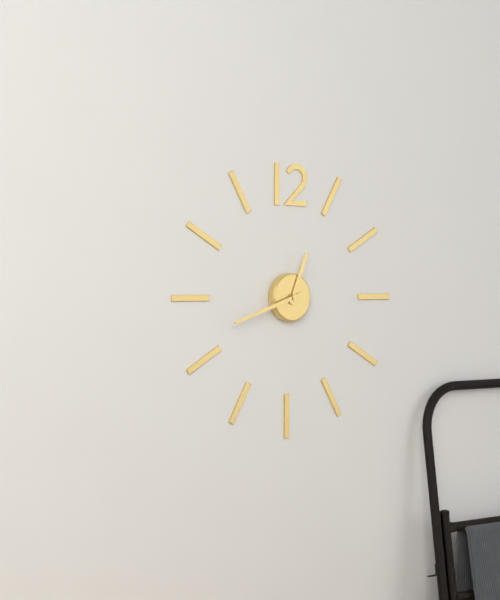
h=12 m=42
